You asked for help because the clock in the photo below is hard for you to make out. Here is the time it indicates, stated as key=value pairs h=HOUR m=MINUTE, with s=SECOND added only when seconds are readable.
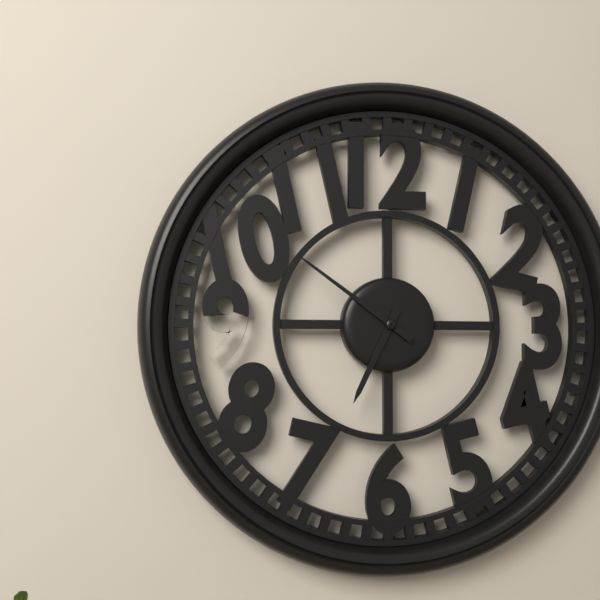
h=6 m=51
